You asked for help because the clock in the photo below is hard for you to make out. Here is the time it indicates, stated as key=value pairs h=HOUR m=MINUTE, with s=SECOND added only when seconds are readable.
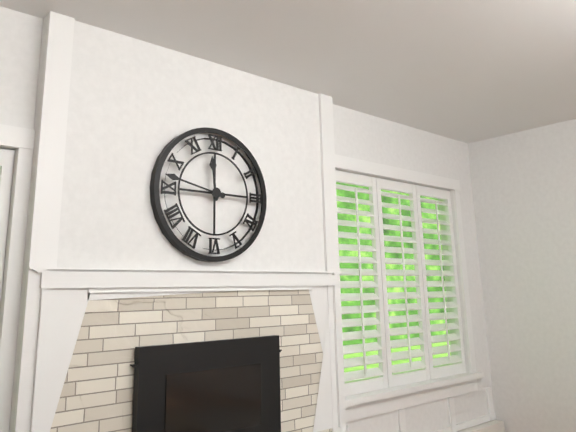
h=11 m=47
